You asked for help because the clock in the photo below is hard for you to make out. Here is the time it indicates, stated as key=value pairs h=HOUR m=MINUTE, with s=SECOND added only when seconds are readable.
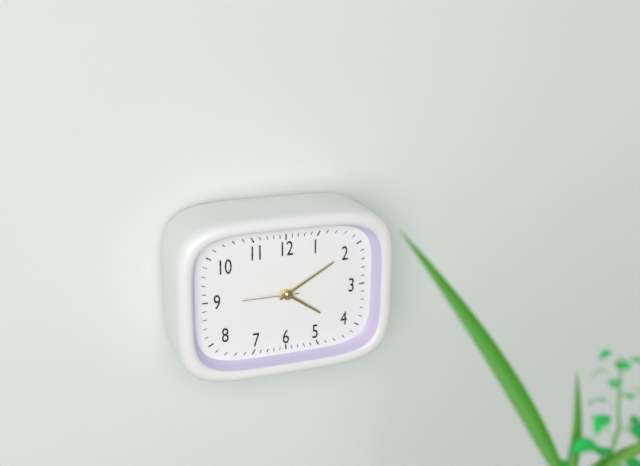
h=4 m=10 s=45
